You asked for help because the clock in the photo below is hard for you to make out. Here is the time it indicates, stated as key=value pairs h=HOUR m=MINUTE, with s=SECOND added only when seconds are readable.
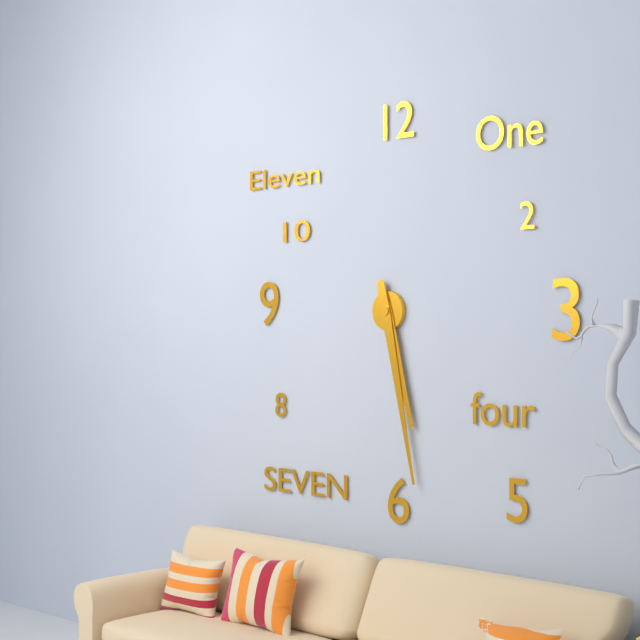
h=5 m=28
